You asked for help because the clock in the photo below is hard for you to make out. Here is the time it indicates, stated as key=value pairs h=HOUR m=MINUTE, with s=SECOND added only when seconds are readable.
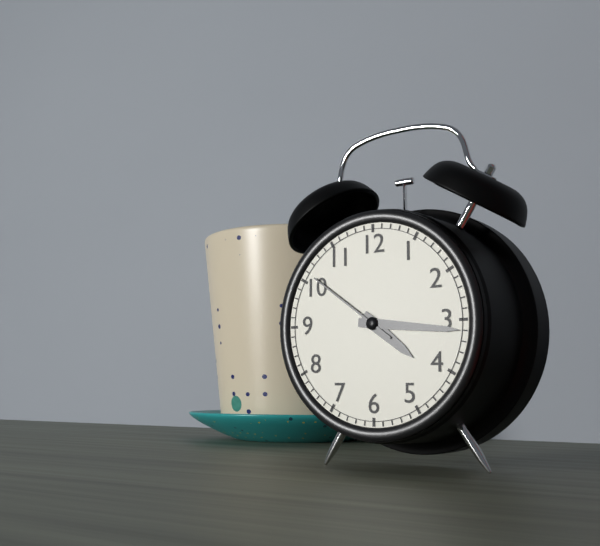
h=4 m=16 s=51
